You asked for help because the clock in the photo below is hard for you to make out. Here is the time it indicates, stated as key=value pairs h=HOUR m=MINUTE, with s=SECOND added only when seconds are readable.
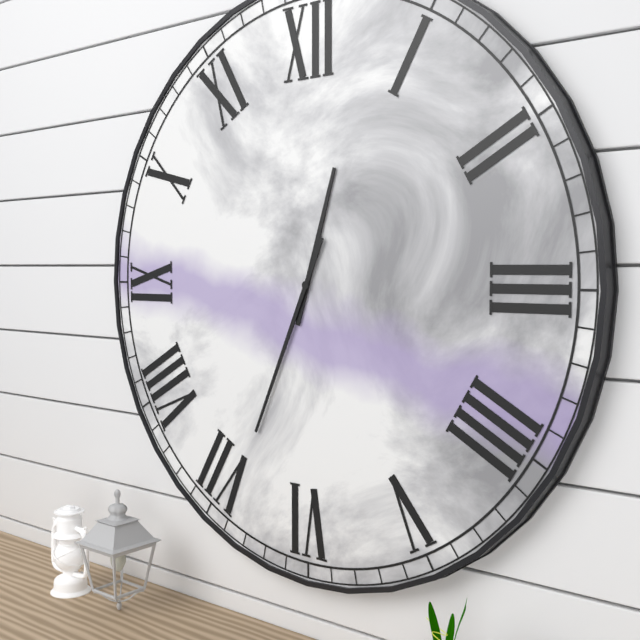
h=12 m=34
